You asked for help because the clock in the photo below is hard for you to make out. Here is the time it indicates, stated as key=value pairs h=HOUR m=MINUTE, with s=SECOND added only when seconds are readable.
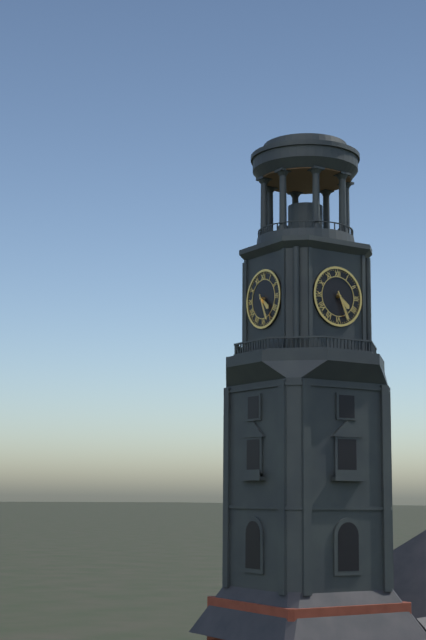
h=4 m=26
